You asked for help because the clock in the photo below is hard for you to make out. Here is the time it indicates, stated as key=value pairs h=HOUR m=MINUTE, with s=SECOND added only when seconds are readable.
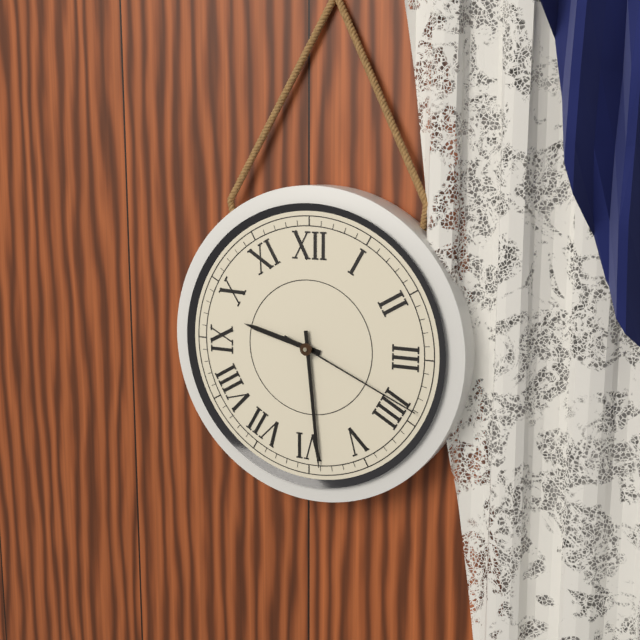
h=9 m=29 s=19
